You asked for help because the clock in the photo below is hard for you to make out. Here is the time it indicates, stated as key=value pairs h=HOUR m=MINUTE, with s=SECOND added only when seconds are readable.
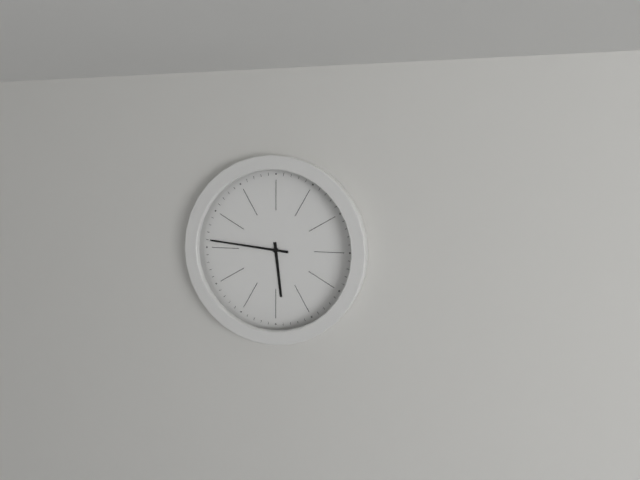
h=5 m=46
